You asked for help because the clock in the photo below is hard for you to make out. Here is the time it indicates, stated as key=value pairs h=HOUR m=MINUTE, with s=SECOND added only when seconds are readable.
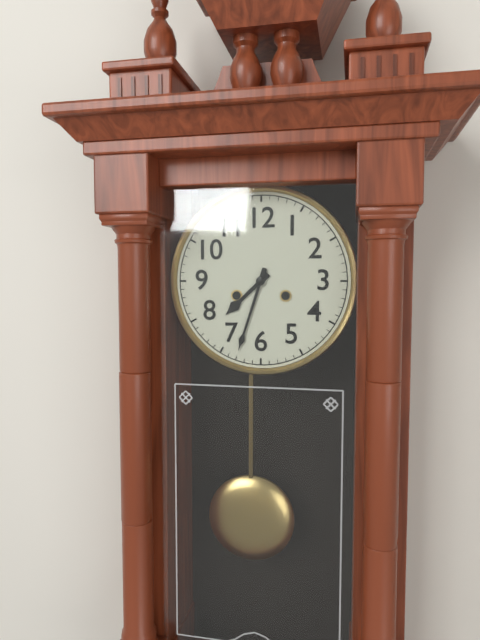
h=7 m=33
